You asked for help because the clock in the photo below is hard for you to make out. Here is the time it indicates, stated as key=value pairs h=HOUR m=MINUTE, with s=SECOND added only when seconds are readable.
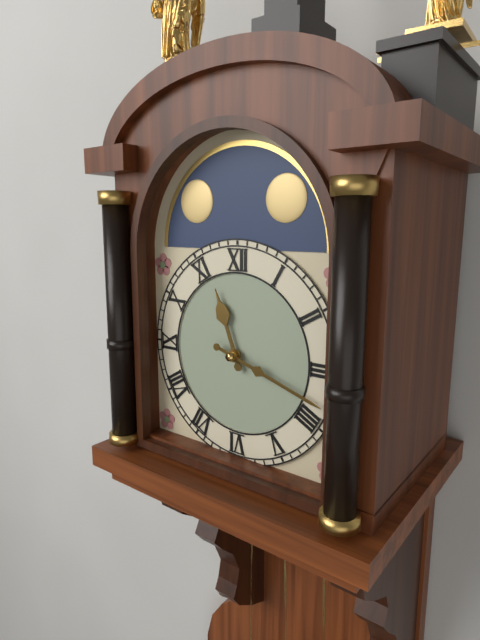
h=11 m=18
